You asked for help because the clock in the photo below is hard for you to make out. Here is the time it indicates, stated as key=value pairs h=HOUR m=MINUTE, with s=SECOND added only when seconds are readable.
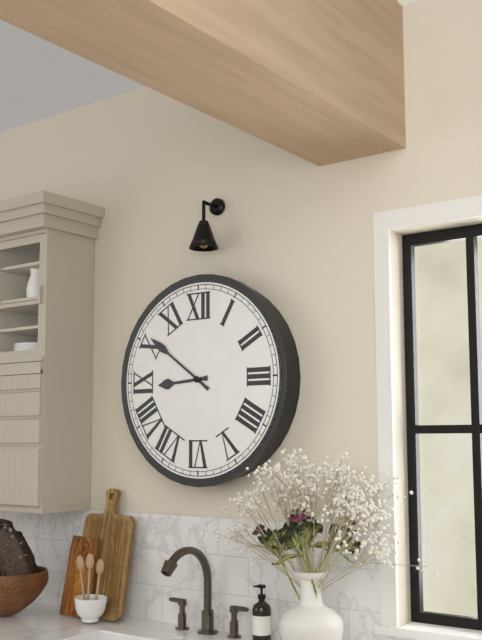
h=8 m=51
